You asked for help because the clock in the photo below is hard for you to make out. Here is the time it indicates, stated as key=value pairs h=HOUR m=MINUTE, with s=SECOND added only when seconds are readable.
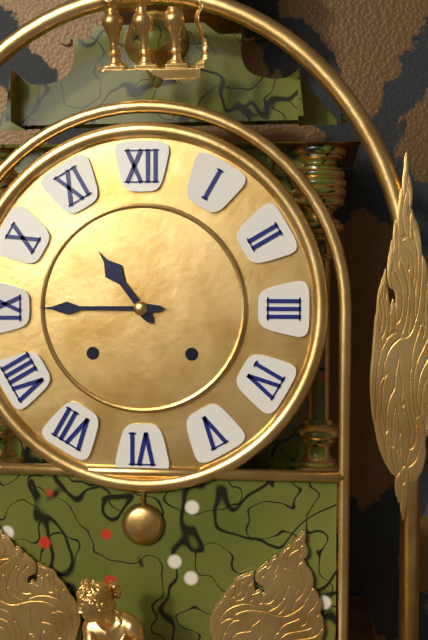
h=10 m=45
